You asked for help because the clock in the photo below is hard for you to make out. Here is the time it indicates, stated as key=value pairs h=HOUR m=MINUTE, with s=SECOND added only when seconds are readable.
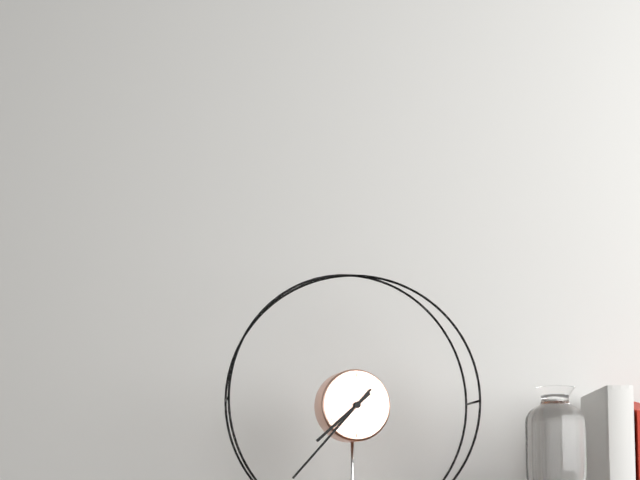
h=7 m=37
